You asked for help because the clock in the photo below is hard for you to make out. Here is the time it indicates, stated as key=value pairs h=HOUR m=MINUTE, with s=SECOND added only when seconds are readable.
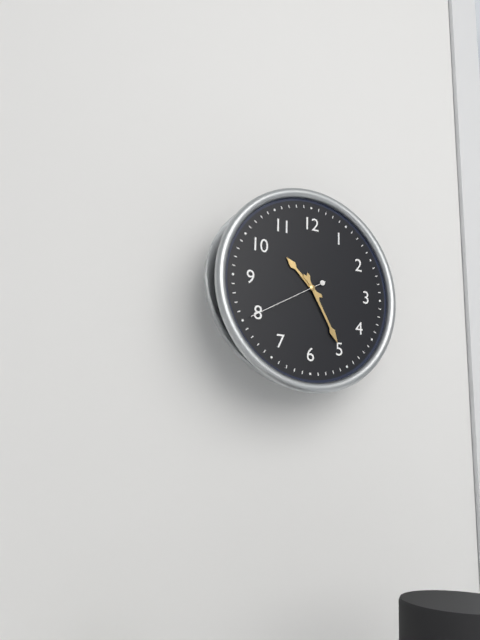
h=10 m=25 s=40
